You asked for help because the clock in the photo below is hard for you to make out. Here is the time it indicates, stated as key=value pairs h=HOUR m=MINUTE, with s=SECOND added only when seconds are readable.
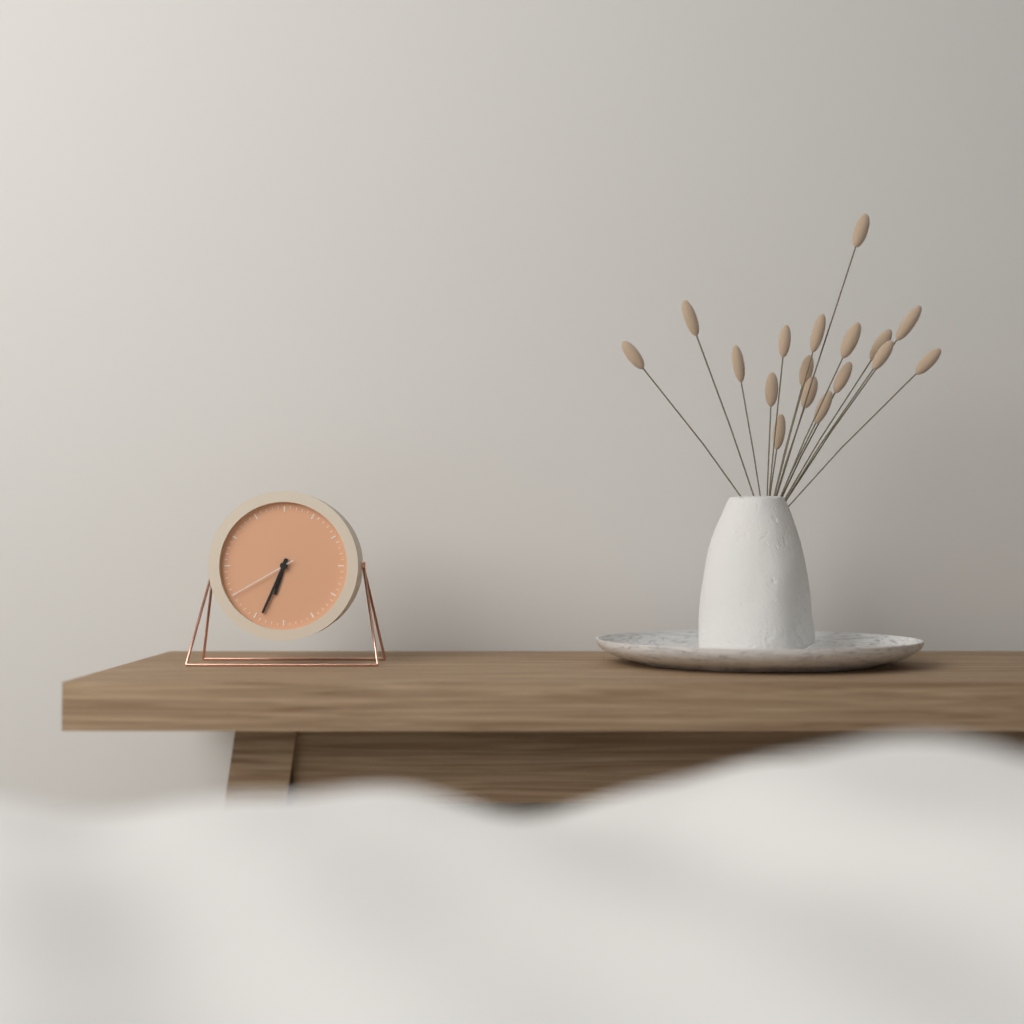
h=6 m=34 s=40
